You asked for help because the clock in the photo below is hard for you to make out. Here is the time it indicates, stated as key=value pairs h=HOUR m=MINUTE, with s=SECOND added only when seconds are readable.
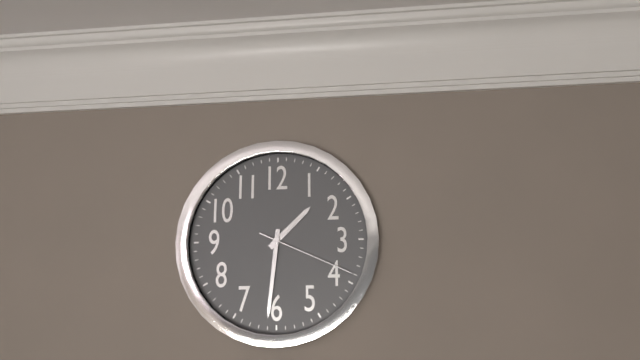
h=1 m=31 s=19
